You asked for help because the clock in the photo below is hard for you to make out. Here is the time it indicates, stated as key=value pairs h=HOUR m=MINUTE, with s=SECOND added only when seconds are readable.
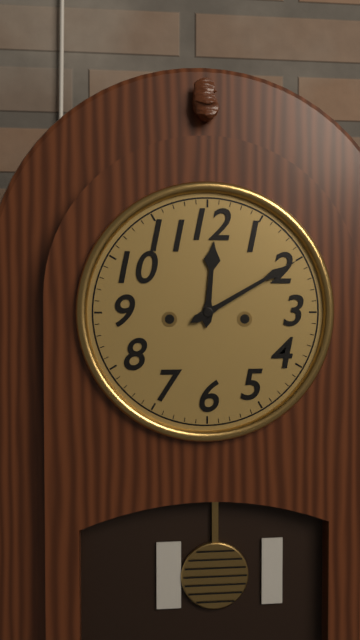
h=12 m=10
